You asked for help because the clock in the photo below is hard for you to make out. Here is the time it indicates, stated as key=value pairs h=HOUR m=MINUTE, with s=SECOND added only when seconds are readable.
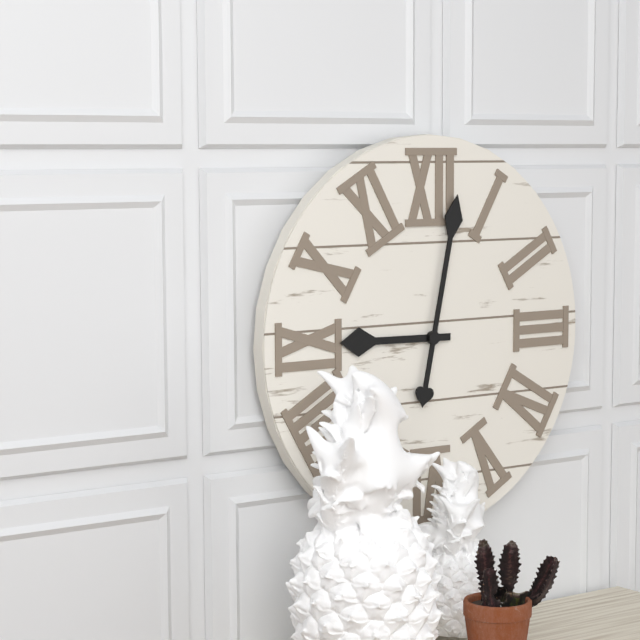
h=9 m=2
